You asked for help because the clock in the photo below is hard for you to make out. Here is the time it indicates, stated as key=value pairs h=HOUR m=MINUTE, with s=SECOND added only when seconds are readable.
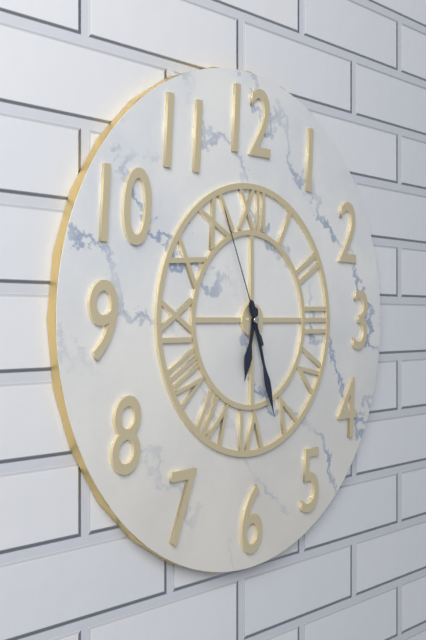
h=6 m=27 s=56
